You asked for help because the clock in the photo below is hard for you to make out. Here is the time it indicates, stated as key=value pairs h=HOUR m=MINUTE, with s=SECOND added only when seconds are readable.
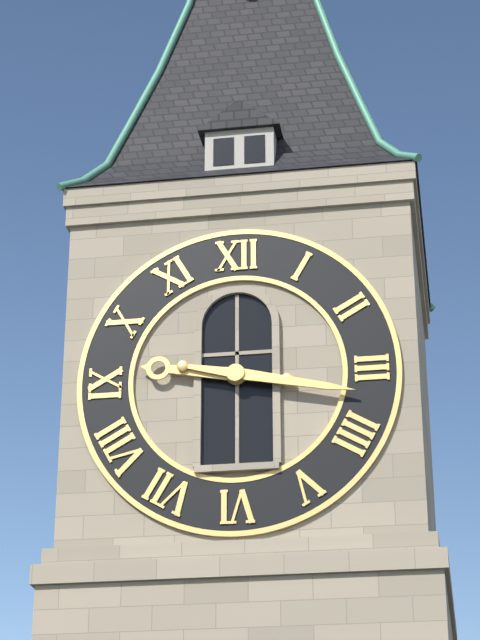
h=9 m=17
